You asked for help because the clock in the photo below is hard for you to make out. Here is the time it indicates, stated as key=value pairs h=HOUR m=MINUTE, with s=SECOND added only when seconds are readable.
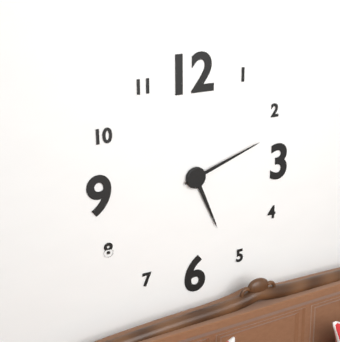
h=5 m=12
